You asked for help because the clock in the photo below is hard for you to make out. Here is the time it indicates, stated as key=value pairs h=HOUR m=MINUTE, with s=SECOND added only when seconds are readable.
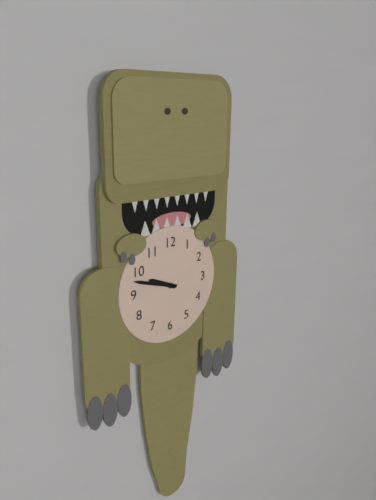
h=9 m=48
